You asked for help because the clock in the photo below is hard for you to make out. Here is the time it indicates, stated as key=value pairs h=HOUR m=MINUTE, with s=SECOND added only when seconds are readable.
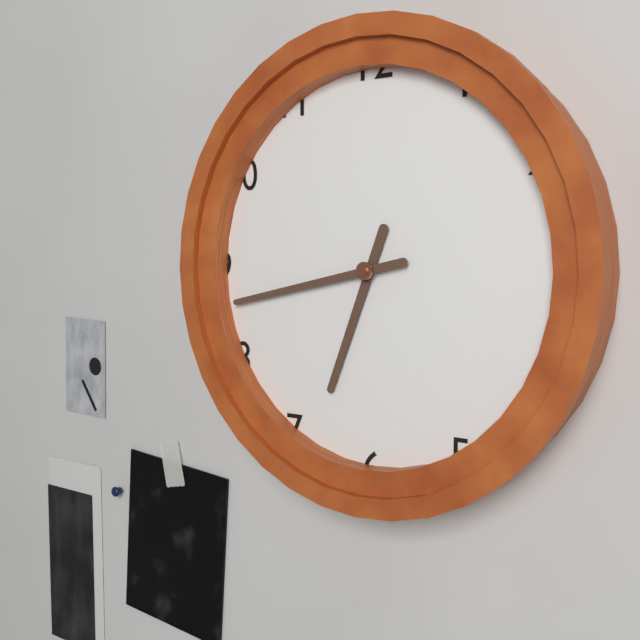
h=6 m=43
